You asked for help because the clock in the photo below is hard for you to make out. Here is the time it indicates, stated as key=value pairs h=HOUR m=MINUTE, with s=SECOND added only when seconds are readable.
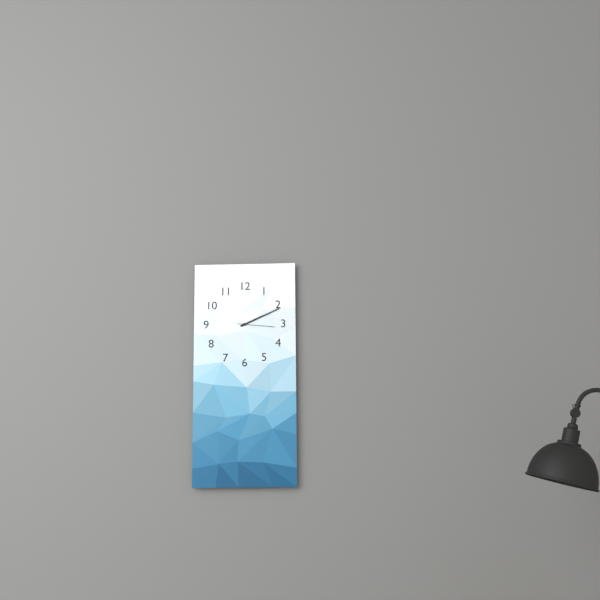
h=2 m=11
